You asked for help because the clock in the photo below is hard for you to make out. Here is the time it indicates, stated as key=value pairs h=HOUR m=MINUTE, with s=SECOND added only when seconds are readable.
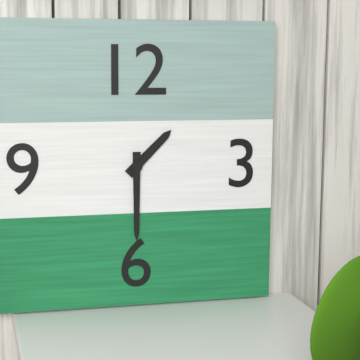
h=1 m=30
